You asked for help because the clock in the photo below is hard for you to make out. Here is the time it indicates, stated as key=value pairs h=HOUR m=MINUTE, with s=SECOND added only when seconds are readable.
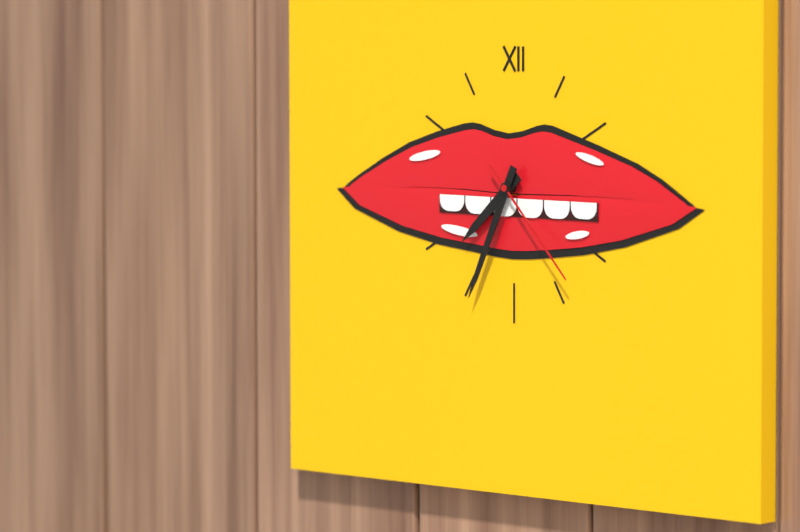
h=7 m=34 s=23
